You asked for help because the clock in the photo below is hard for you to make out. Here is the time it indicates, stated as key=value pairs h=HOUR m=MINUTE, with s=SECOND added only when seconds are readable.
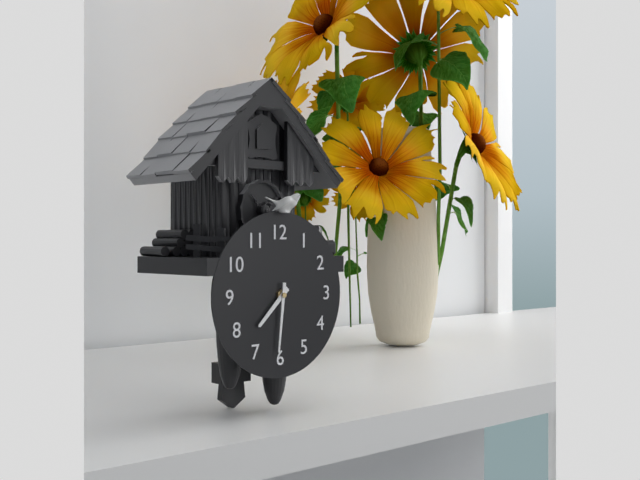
h=7 m=31
